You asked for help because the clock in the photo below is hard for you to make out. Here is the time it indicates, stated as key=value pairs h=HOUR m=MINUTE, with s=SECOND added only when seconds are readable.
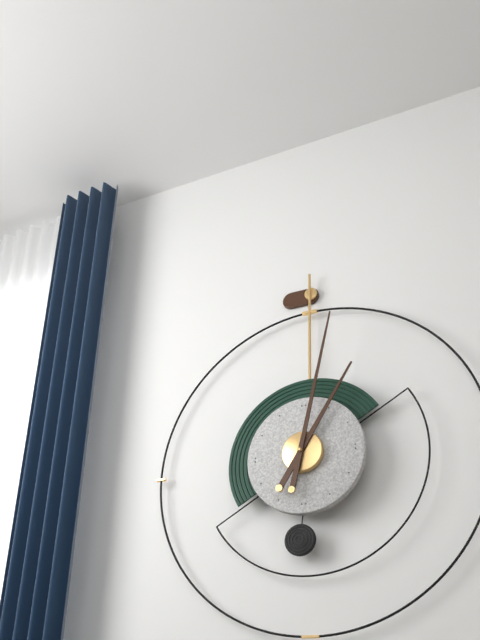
h=1 m=2
